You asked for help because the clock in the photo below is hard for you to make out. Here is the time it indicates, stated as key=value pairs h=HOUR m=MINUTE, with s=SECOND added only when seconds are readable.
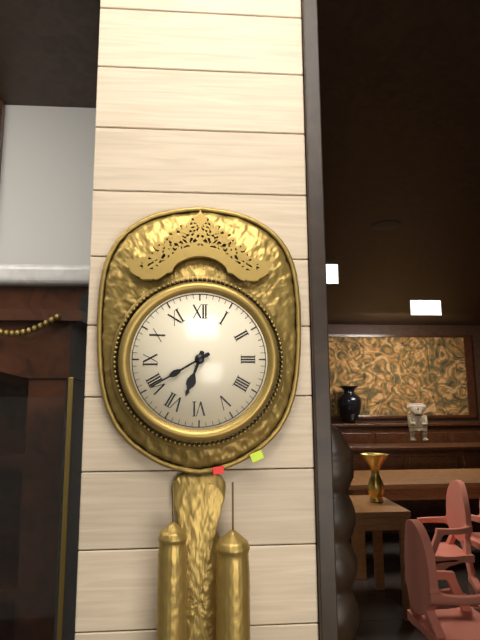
h=6 m=40
